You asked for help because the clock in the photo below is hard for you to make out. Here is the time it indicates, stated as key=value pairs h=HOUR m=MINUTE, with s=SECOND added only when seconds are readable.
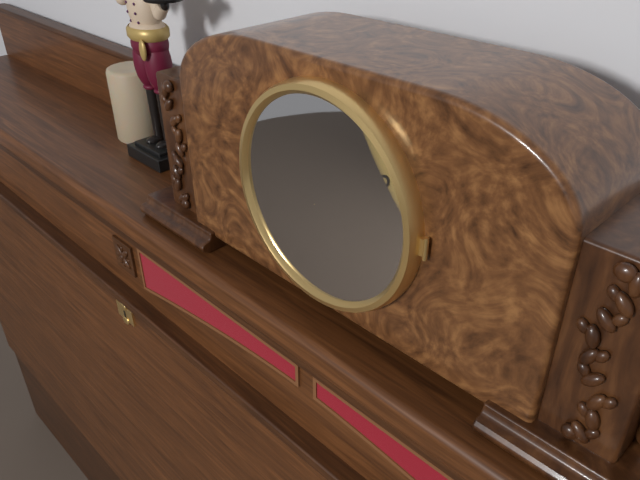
h=3 m=42
